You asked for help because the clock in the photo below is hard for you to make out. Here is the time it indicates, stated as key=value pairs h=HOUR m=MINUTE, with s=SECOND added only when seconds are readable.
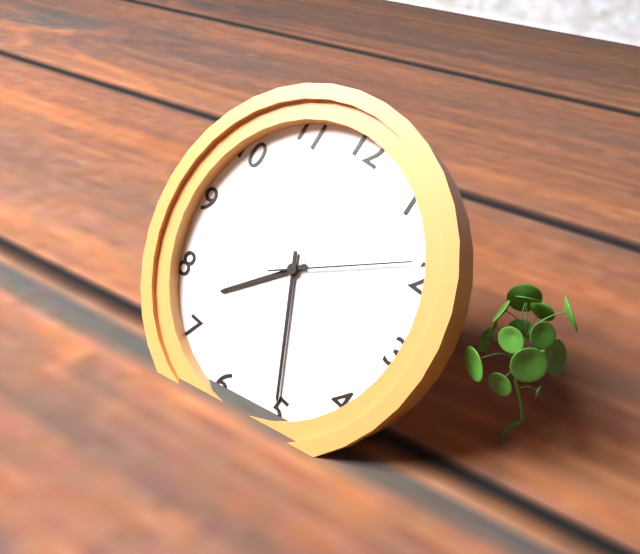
h=7 m=25 s=9
